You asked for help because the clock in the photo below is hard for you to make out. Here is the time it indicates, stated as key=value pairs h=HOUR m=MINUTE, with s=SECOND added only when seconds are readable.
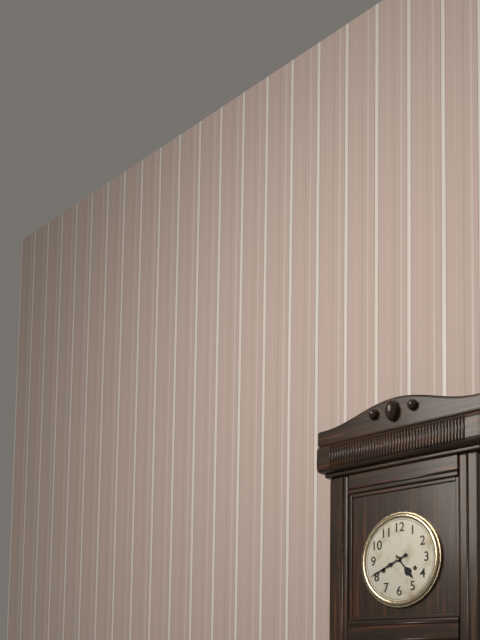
h=4 m=41
